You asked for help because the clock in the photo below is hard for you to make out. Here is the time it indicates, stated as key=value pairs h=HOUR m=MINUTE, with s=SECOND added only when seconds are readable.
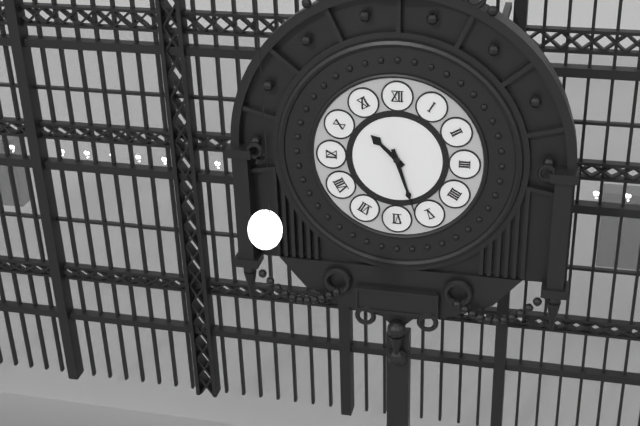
h=10 m=27
